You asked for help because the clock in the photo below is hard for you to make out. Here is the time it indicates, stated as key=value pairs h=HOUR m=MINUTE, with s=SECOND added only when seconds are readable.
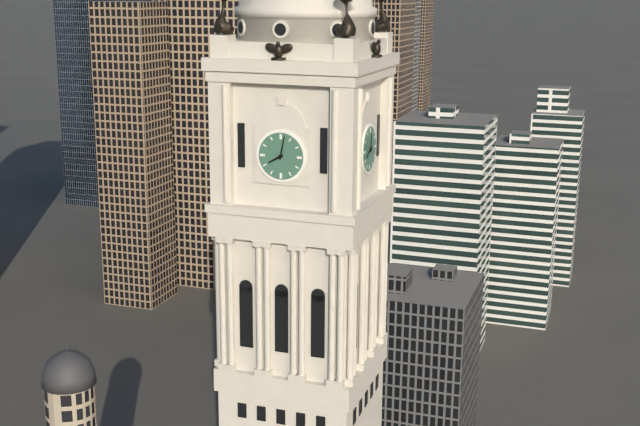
h=8 m=2
